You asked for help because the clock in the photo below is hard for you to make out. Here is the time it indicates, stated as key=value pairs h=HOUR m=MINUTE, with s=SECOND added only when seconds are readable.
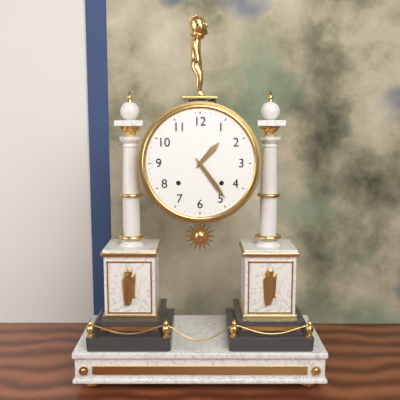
h=1 m=24
